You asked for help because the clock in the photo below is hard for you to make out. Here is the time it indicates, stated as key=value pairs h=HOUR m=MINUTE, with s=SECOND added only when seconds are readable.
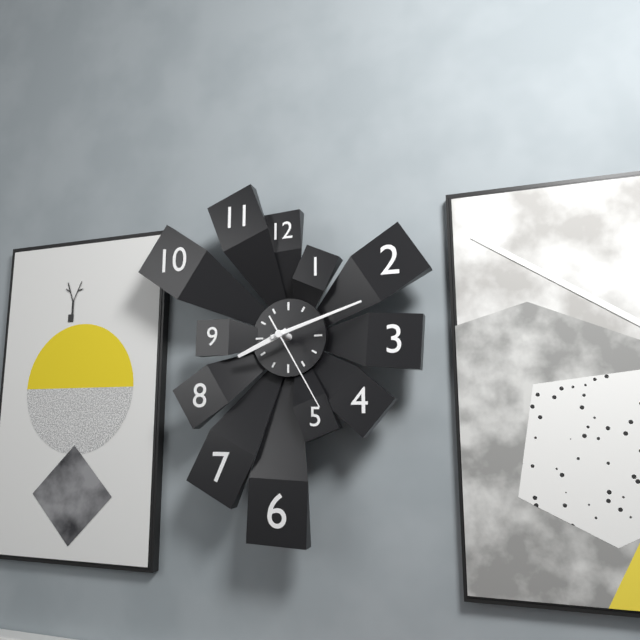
h=8 m=12 s=25
